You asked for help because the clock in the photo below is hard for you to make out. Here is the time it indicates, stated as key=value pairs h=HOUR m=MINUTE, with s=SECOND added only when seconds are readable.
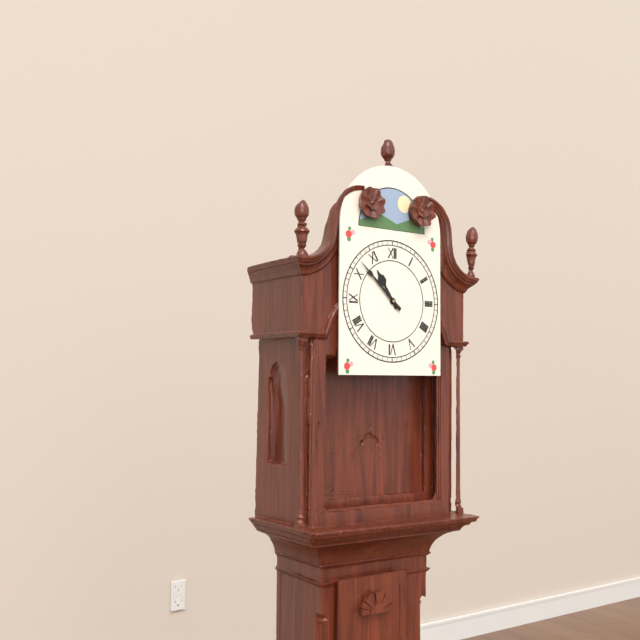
h=10 m=52
